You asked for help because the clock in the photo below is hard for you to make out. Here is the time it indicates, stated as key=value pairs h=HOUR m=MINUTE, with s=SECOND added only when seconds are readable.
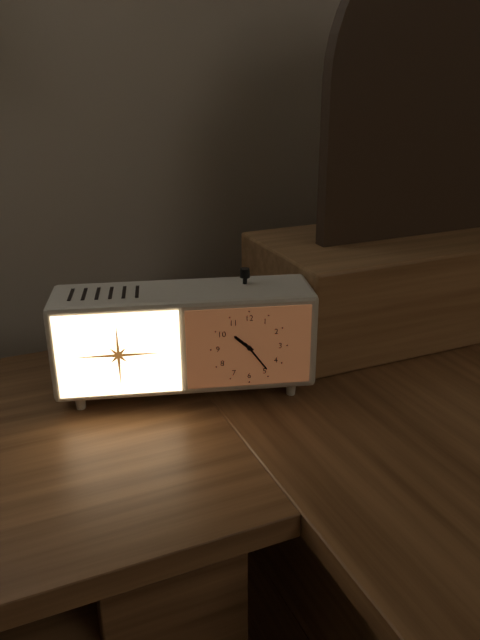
h=10 m=24
